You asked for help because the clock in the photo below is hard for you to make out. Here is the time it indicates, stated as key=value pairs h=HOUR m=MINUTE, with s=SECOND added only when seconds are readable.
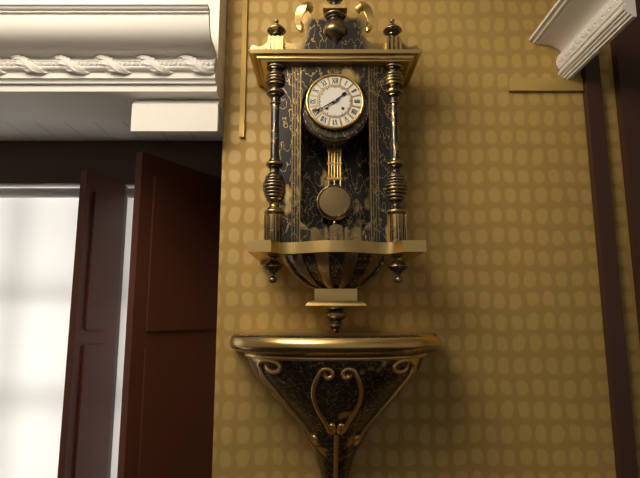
h=1 m=40
